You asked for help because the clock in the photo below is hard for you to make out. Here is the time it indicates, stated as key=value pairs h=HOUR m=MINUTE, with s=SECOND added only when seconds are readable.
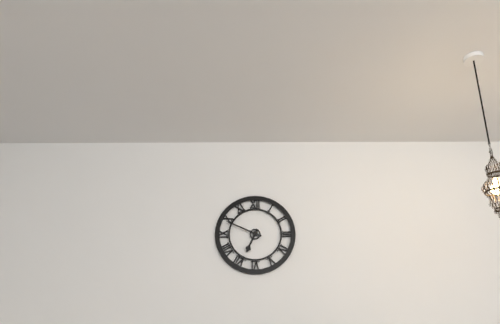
h=6 m=49
